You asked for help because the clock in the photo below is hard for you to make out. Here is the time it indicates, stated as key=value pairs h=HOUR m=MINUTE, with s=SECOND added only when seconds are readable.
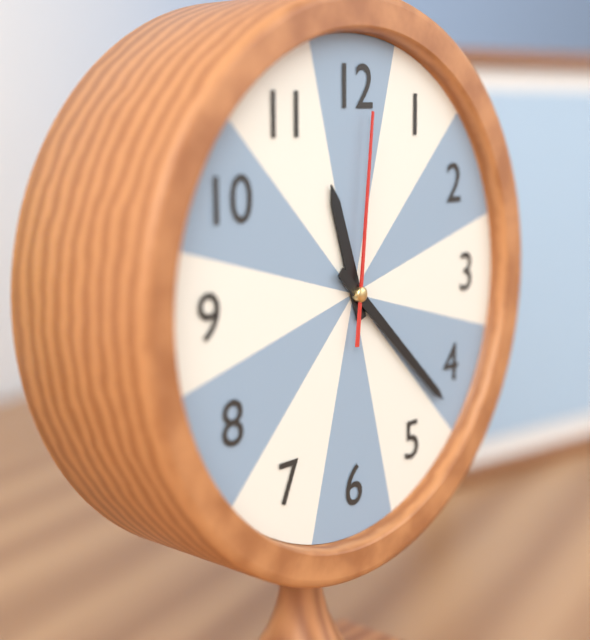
h=11 m=22 s=1
